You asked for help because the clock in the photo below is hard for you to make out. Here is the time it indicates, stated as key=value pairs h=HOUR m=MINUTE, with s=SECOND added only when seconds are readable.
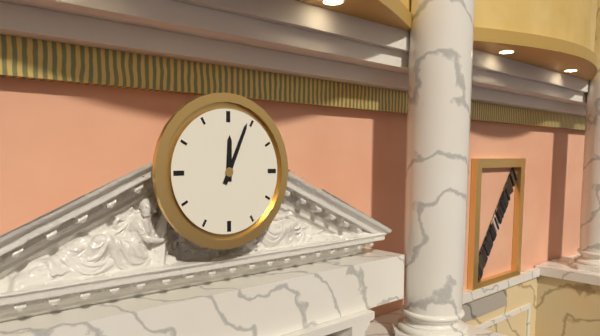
h=12 m=4
